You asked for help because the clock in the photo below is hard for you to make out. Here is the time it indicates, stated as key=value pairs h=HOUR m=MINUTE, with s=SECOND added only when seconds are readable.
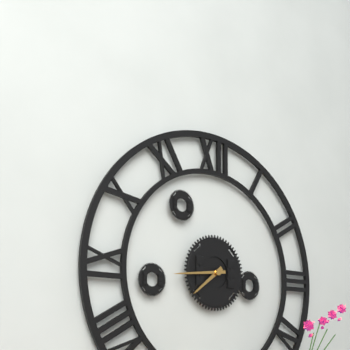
h=7 m=44
